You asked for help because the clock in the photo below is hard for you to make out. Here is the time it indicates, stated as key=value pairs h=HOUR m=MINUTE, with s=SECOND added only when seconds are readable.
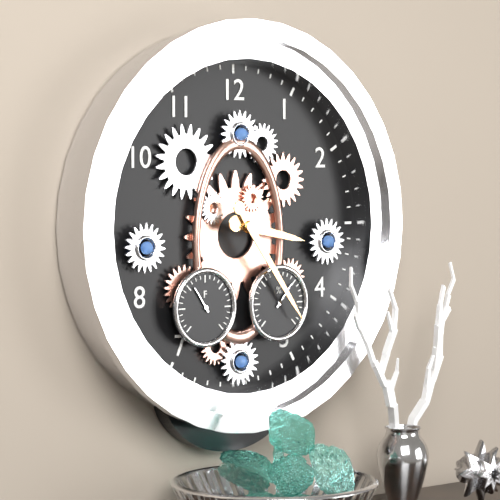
h=3 m=24
